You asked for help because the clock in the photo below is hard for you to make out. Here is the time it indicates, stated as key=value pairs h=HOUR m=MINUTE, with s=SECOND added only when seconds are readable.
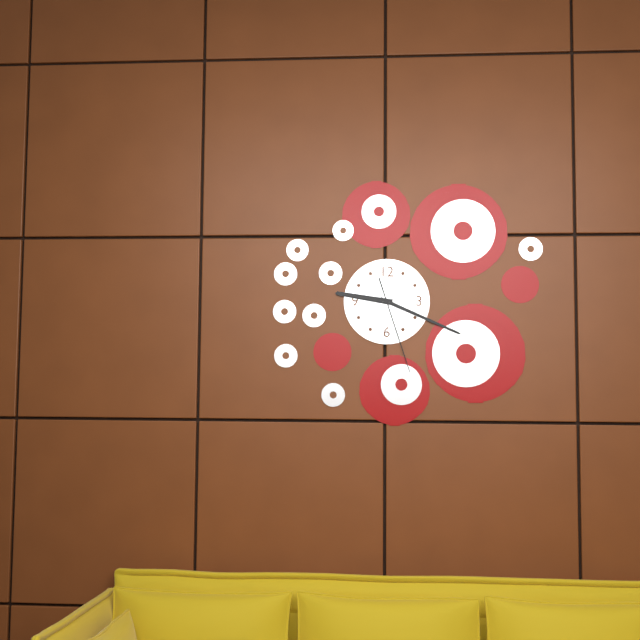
h=9 m=19 s=27
